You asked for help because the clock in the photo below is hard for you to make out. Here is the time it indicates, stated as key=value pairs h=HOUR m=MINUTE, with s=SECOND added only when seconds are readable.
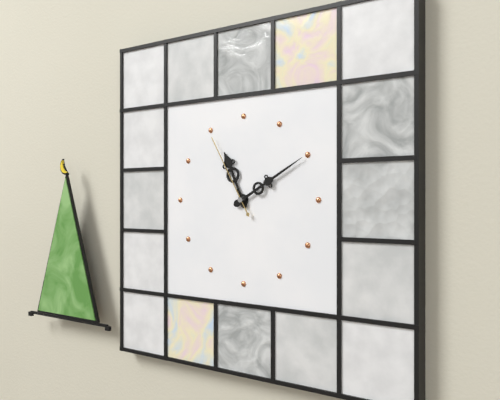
h=11 m=10 s=55
